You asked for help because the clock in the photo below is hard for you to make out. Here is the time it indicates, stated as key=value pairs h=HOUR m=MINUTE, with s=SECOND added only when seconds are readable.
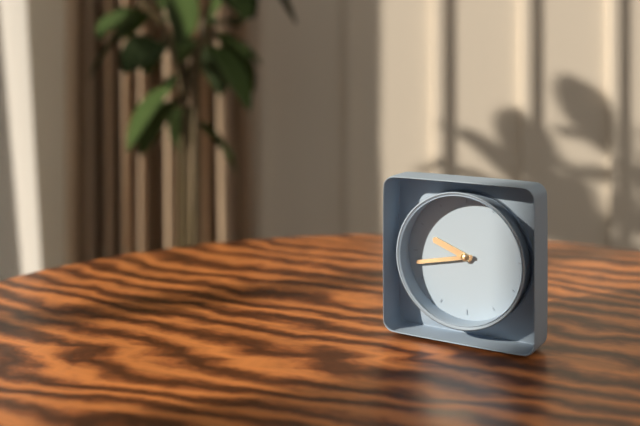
h=9 m=43
